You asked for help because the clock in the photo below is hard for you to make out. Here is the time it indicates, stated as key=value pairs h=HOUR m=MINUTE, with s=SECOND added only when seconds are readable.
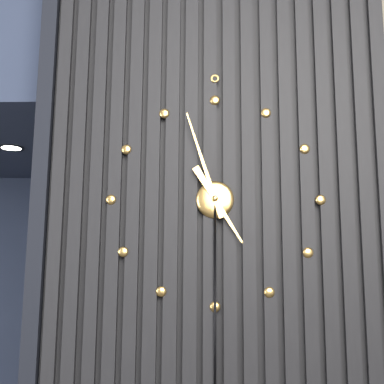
h=4 m=57
